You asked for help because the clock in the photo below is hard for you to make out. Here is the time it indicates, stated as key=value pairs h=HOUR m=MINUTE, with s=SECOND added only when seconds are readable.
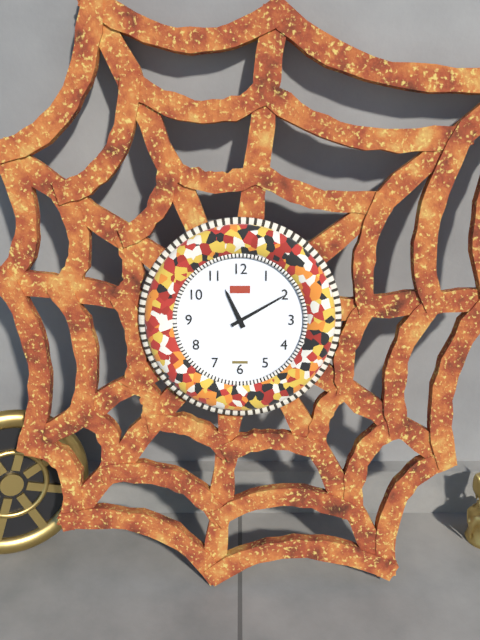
h=11 m=10
